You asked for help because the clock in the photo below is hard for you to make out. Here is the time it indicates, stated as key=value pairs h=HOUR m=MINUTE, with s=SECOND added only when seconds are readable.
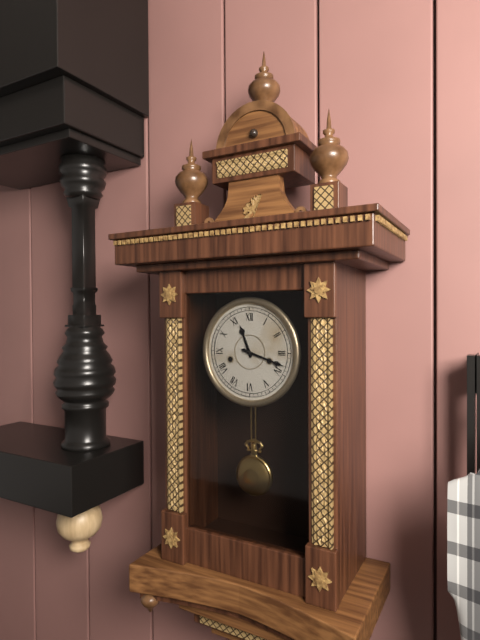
h=11 m=18
